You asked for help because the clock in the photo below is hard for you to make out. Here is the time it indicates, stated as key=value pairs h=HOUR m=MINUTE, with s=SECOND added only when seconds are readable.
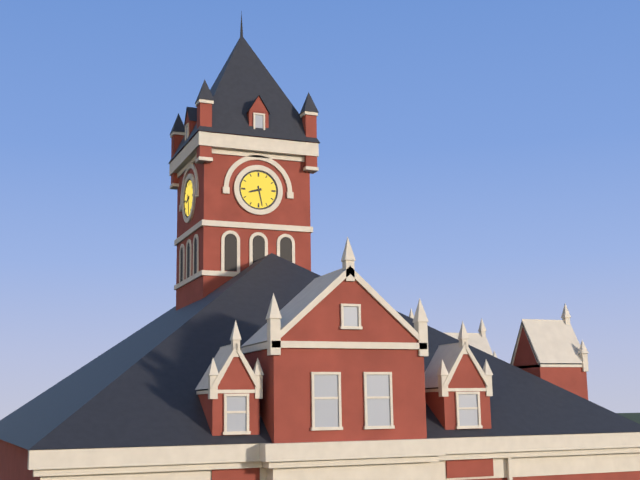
h=8 m=28
